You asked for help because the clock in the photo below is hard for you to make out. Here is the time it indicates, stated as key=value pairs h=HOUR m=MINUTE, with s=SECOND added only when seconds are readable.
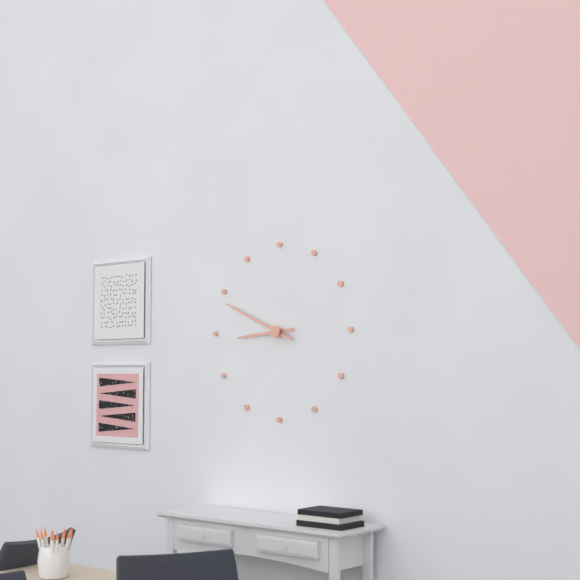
h=8 m=49
